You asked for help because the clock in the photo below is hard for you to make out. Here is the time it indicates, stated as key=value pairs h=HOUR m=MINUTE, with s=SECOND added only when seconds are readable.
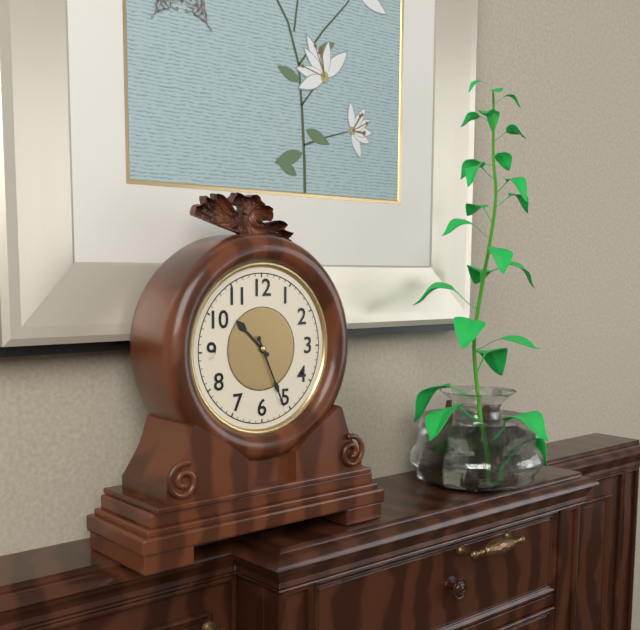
h=10 m=26
